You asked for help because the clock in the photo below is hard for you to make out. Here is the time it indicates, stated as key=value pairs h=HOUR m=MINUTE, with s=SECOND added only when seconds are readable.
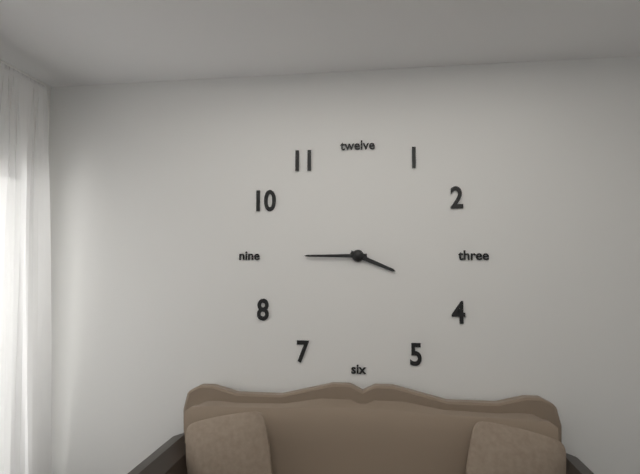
h=3 m=45
